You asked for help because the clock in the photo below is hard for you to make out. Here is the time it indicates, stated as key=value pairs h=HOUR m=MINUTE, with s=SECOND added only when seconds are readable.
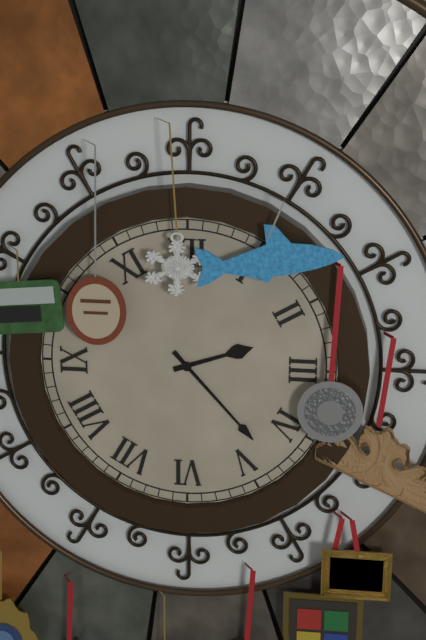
h=2 m=23
